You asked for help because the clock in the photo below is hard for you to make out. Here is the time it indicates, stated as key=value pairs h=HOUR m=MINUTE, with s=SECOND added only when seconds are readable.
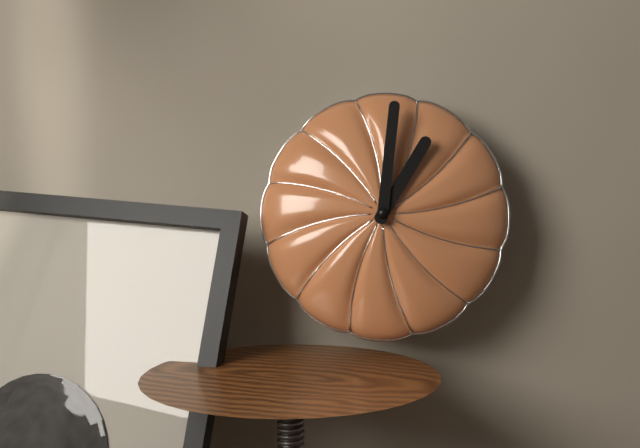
h=1 m=1
